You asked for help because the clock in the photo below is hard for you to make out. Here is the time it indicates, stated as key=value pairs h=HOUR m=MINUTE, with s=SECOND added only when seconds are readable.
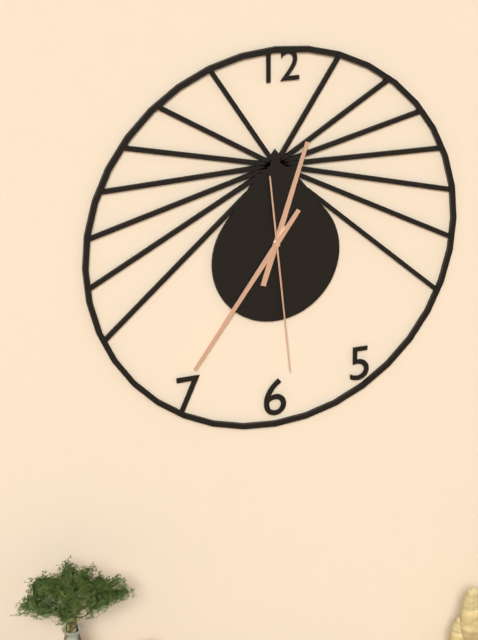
h=12 m=36 s=29
